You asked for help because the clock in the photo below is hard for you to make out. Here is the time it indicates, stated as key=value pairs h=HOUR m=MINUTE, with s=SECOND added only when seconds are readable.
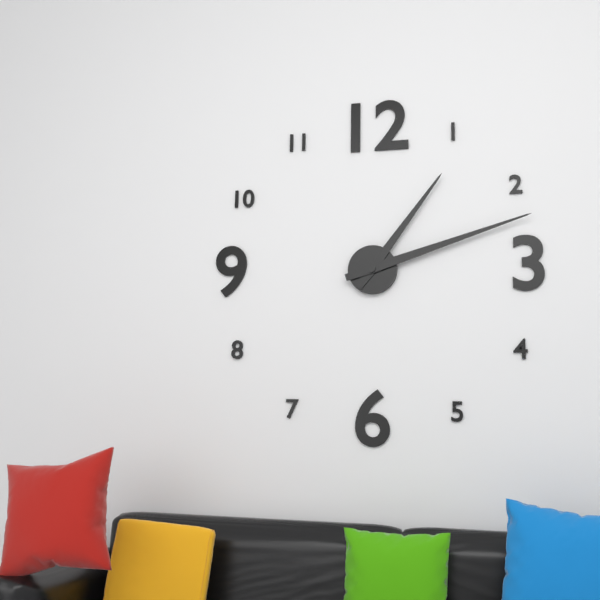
h=1 m=12
